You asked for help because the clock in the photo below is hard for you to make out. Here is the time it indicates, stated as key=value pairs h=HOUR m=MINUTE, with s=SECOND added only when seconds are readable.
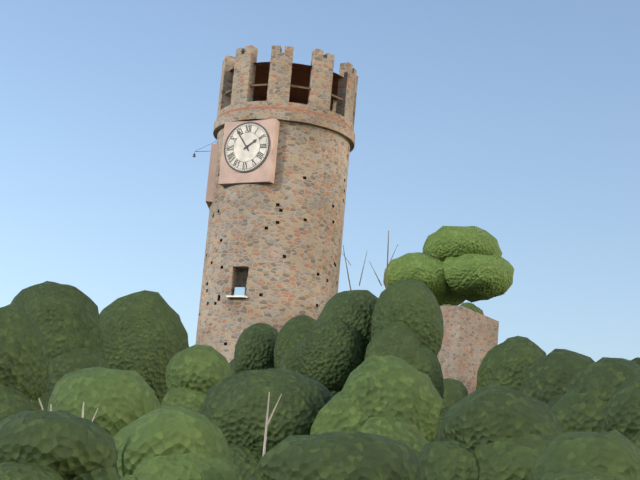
h=1 m=54
